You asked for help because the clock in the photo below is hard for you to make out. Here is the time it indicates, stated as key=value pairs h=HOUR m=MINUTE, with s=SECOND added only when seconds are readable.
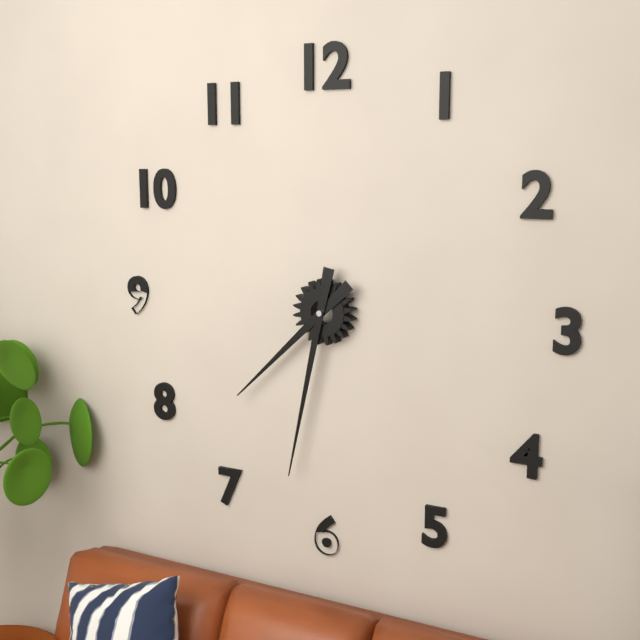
h=7 m=32
